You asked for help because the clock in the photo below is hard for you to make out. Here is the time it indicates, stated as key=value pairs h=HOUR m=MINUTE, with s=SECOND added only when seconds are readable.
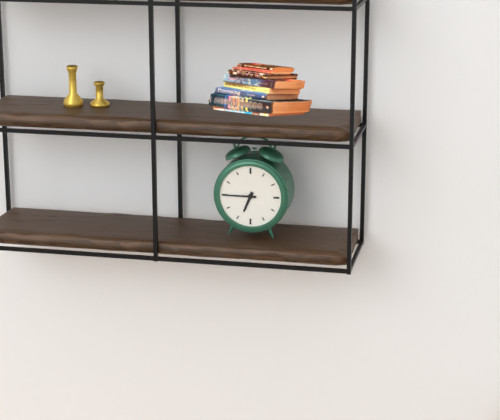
h=6 m=45
